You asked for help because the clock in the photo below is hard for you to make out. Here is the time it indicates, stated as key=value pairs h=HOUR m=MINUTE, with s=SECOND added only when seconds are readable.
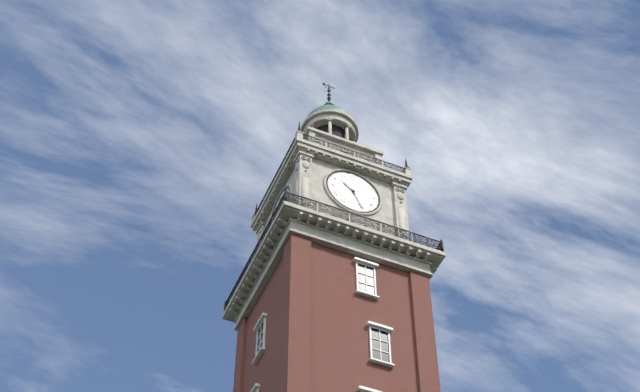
h=10 m=26
